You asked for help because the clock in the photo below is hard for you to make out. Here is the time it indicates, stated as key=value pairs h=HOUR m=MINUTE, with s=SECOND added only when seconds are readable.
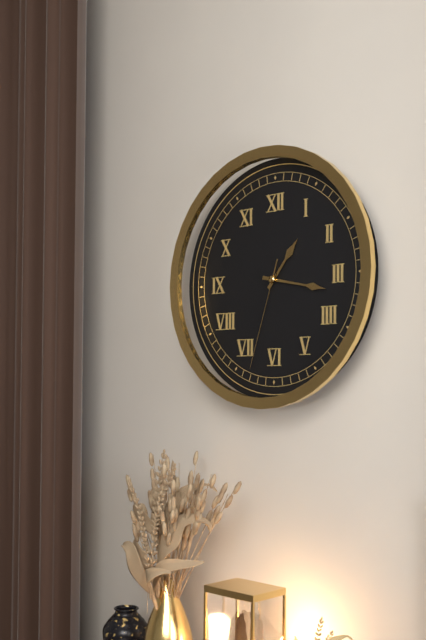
h=1 m=17 s=33
